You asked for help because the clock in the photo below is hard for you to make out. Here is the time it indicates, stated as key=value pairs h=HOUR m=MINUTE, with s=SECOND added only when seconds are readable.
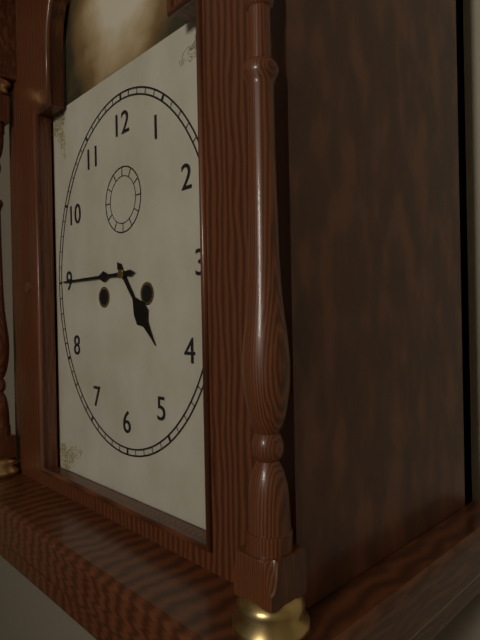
h=4 m=45
